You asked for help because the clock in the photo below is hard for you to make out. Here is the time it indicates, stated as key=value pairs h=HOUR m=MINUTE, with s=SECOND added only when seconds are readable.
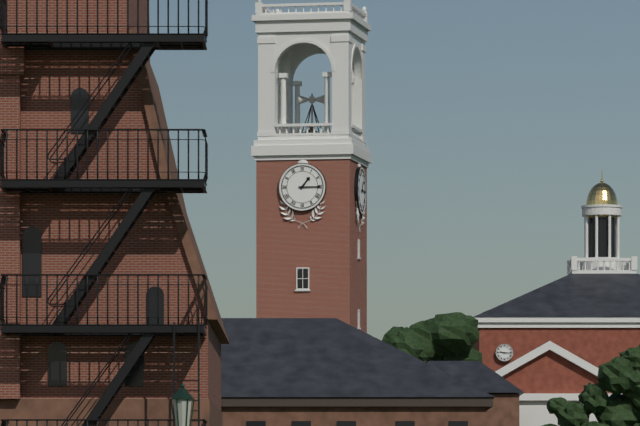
h=1 m=15
